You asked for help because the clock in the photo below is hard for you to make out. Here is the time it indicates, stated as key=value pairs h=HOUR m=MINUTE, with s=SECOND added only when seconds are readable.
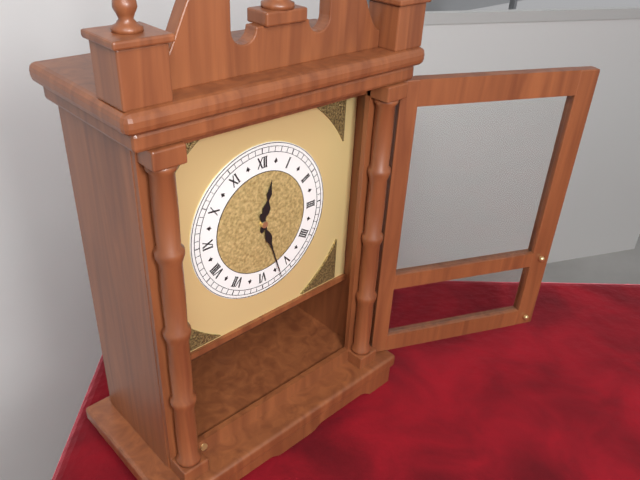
h=12 m=27
